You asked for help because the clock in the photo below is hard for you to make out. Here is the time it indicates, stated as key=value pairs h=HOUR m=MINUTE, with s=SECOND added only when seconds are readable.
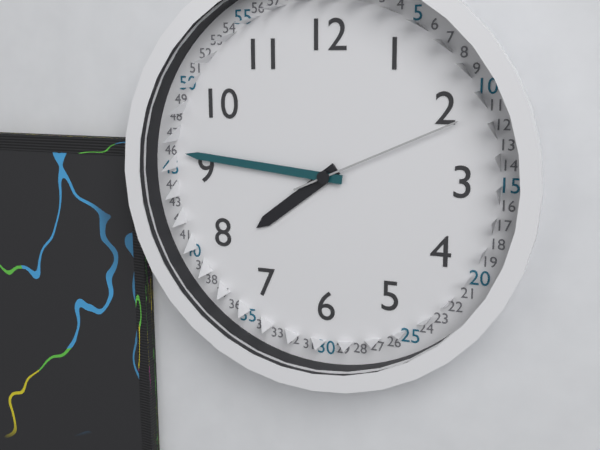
h=7 m=46 s=11
